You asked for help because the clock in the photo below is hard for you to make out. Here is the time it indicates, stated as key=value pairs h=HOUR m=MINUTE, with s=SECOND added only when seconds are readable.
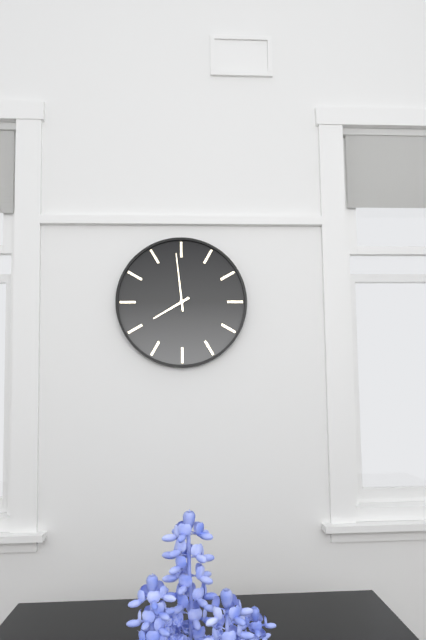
h=7 m=59
